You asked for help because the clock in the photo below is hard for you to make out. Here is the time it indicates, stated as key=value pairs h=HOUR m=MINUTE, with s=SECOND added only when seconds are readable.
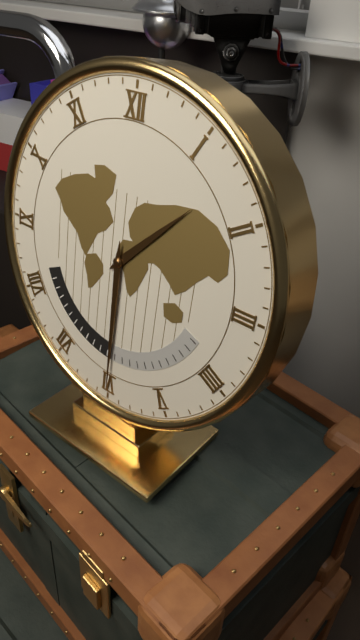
h=1 m=30
